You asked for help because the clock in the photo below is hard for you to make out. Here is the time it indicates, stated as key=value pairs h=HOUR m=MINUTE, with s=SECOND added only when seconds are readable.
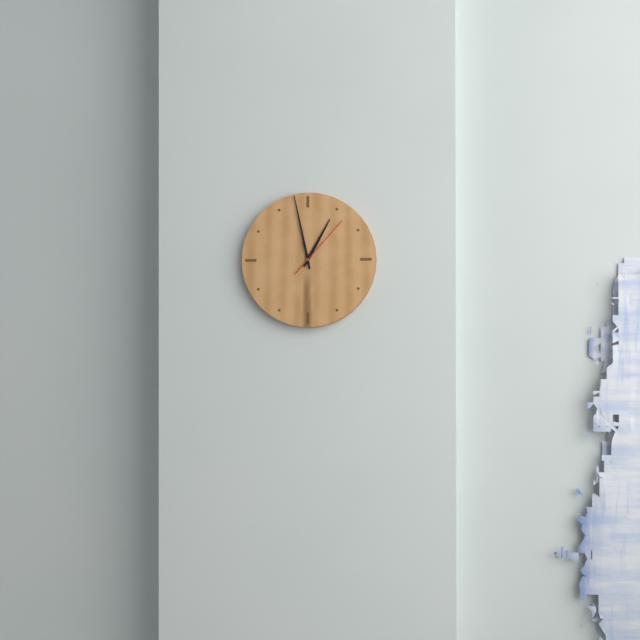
h=12 m=58 s=7
